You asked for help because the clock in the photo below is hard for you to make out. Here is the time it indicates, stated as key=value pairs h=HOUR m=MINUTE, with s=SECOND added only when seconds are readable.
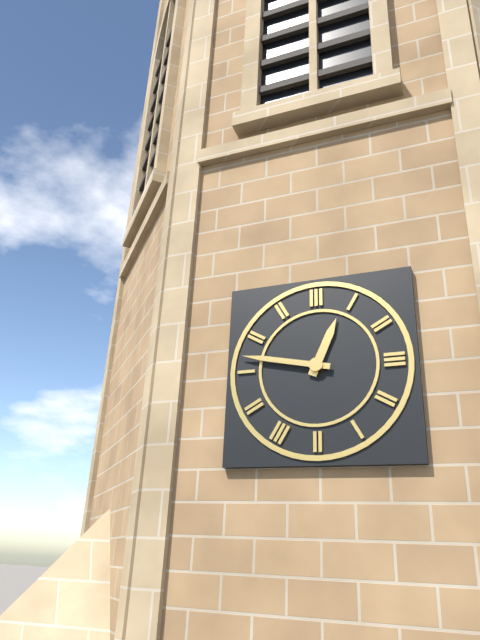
h=12 m=47
